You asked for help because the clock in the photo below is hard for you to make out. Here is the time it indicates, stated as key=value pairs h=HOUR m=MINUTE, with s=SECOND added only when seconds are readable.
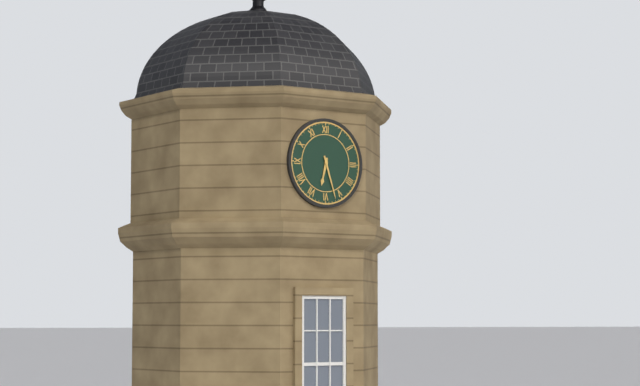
h=6 m=27
